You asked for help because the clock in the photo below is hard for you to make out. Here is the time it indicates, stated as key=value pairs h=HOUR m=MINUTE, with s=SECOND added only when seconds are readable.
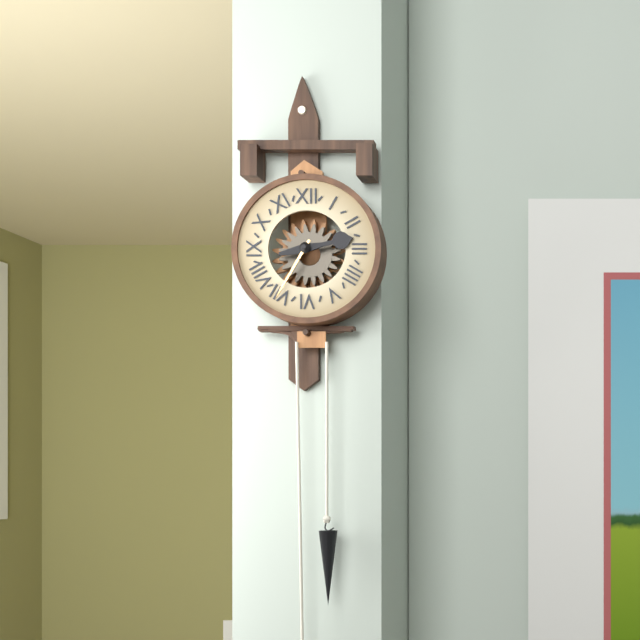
h=2 m=35
